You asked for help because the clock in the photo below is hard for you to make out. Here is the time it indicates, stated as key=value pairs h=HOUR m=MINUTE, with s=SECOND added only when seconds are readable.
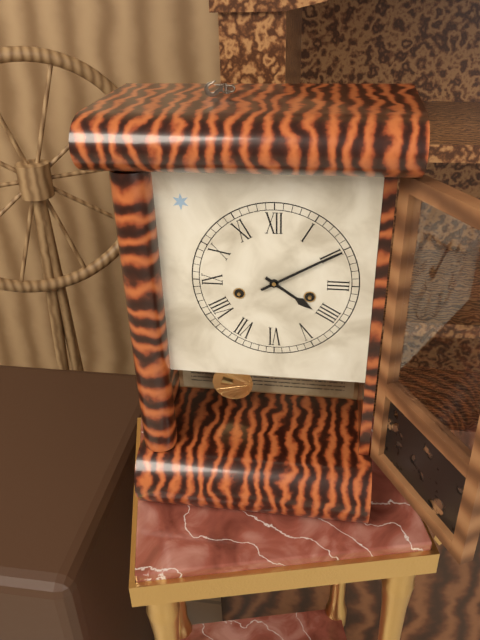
h=4 m=10
